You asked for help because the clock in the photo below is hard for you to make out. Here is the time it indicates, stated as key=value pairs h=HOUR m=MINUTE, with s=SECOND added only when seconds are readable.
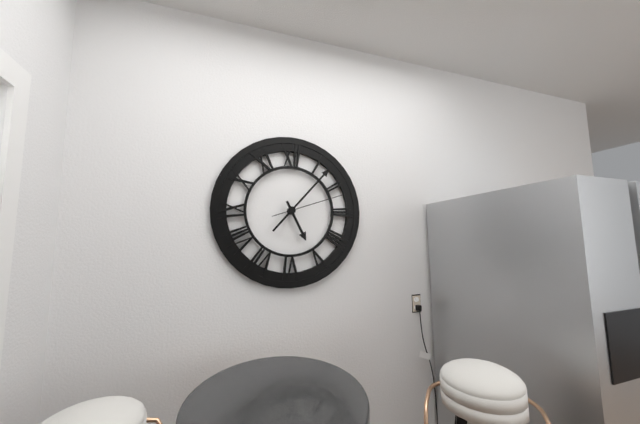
h=5 m=7 s=12
